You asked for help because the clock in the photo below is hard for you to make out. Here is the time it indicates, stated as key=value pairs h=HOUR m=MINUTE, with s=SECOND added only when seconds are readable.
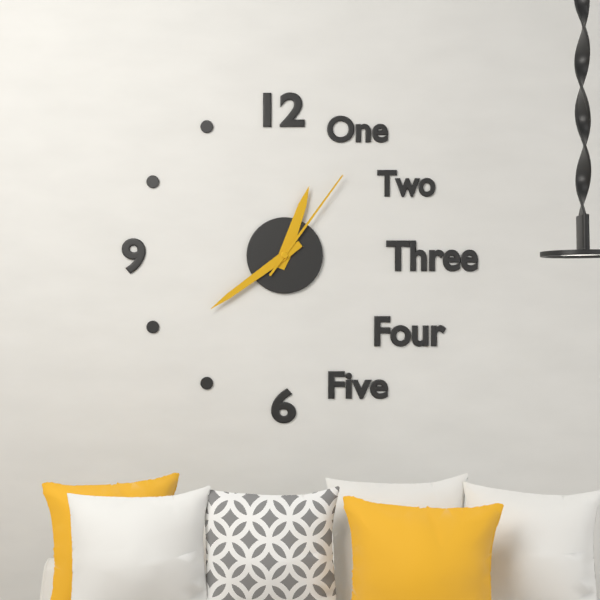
h=12 m=39 s=6
